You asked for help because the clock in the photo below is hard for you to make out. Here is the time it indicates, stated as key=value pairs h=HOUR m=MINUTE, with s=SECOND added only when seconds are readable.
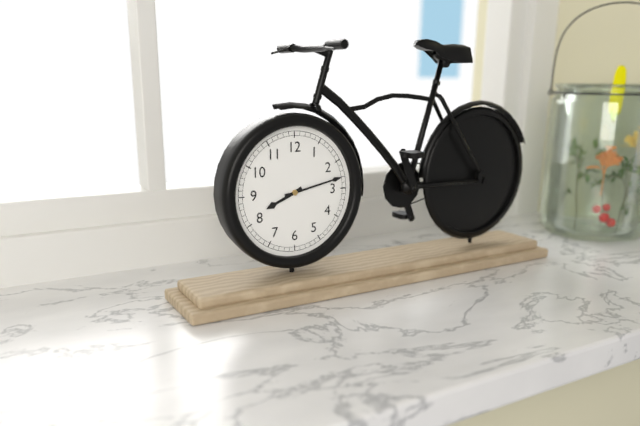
h=8 m=13
